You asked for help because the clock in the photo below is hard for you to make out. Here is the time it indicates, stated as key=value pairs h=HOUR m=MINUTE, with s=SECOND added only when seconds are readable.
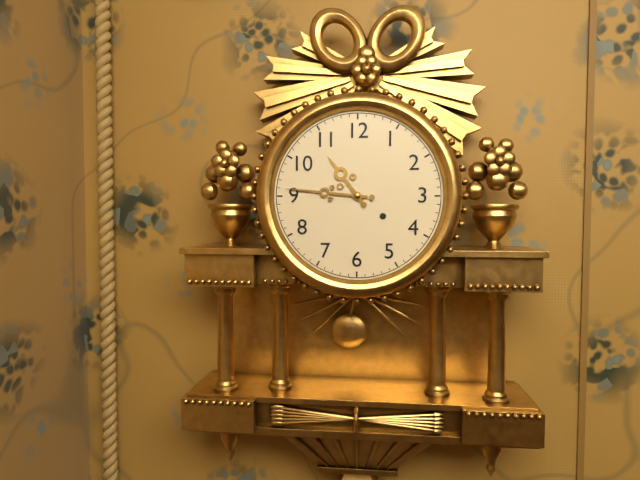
h=10 m=46
